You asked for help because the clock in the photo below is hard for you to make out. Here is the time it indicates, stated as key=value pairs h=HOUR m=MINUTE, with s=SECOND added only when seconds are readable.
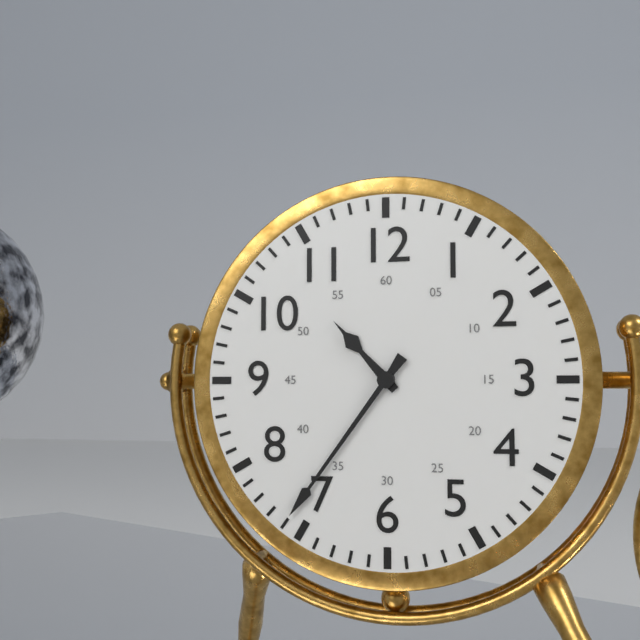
h=10 m=36
